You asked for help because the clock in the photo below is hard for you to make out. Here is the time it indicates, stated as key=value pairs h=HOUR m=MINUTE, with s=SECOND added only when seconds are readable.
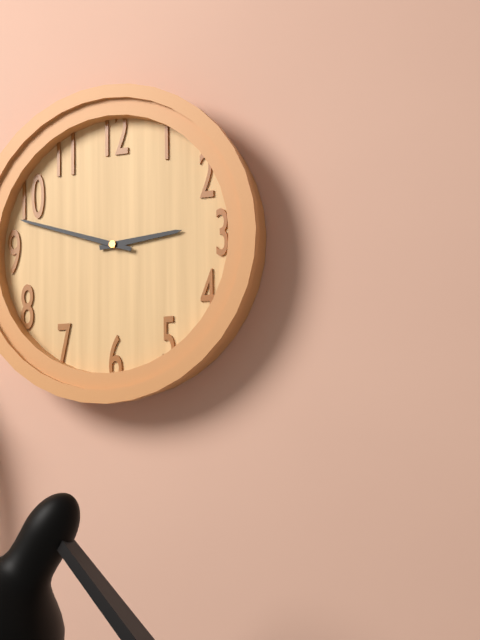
h=2 m=48
